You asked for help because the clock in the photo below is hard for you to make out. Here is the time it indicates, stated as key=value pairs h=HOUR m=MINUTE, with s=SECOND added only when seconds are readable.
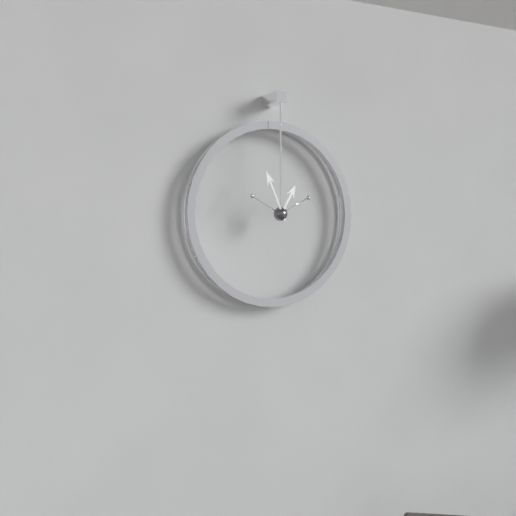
h=12 m=56
